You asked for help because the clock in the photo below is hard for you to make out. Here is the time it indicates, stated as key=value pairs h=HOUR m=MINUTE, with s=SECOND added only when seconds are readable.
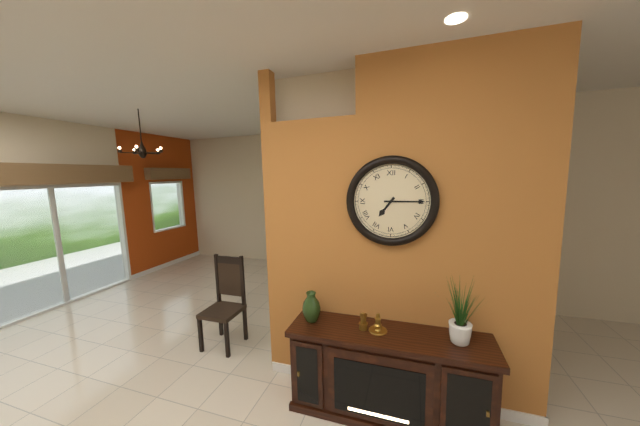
h=7 m=15
